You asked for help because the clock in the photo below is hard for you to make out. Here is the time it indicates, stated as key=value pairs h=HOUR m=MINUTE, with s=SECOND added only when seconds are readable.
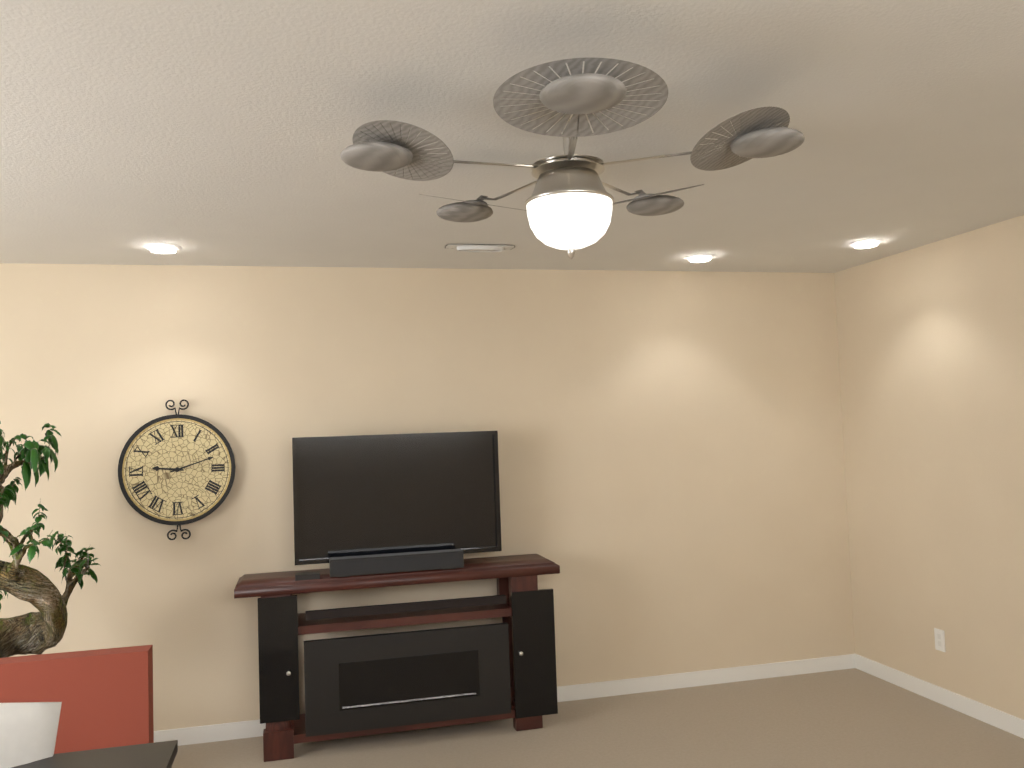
h=9 m=12
